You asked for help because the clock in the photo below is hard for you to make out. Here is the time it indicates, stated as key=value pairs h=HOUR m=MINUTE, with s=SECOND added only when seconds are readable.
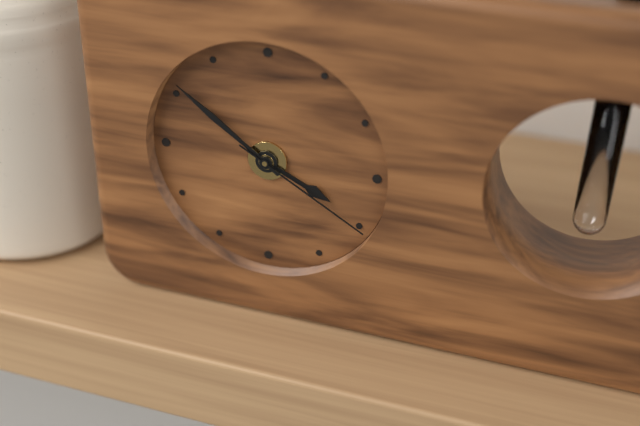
h=3 m=51 s=20
